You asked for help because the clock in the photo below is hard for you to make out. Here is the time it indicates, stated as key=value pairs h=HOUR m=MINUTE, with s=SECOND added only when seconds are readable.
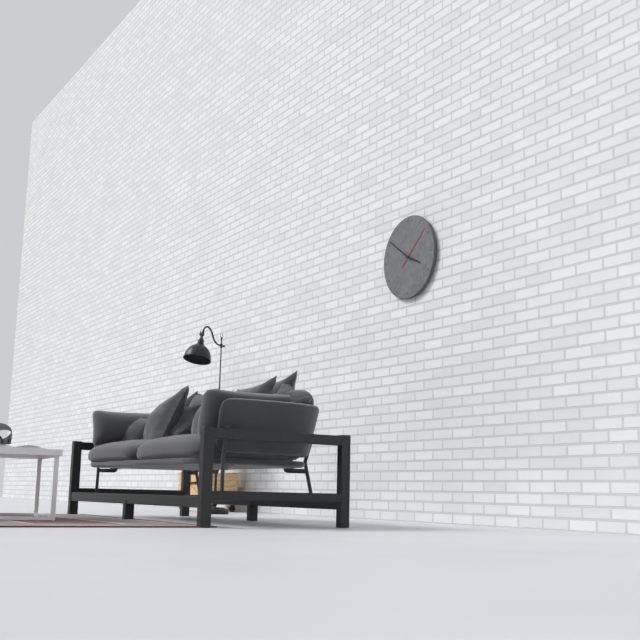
h=3 m=51
